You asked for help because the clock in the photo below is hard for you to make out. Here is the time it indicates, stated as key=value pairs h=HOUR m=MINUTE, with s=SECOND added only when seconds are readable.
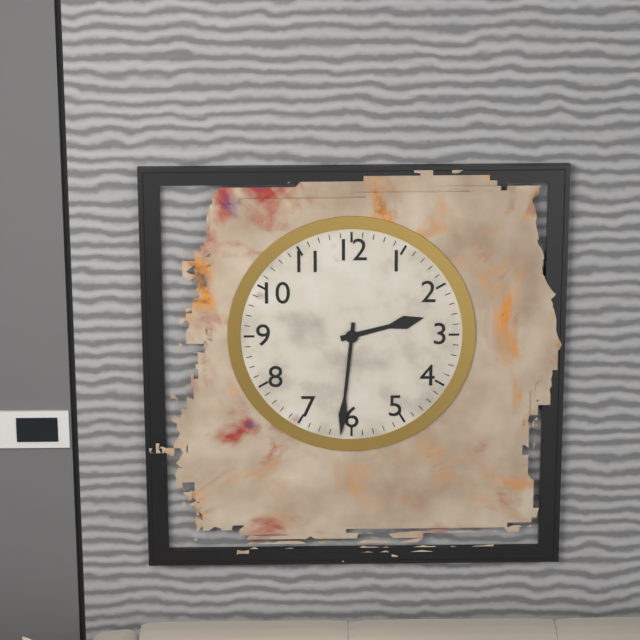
h=2 m=31
